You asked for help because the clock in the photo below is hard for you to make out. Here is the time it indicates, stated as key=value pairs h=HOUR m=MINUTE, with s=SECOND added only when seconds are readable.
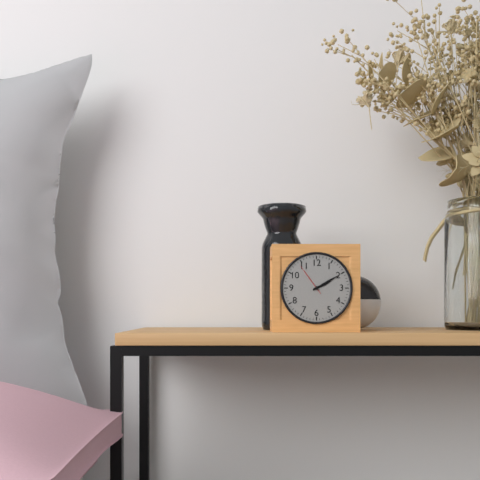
h=2 m=10
